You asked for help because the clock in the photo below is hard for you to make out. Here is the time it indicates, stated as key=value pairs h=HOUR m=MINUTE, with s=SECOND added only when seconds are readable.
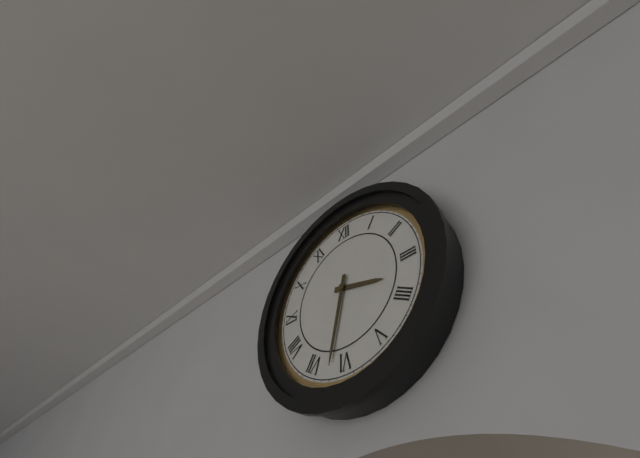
h=3 m=32
